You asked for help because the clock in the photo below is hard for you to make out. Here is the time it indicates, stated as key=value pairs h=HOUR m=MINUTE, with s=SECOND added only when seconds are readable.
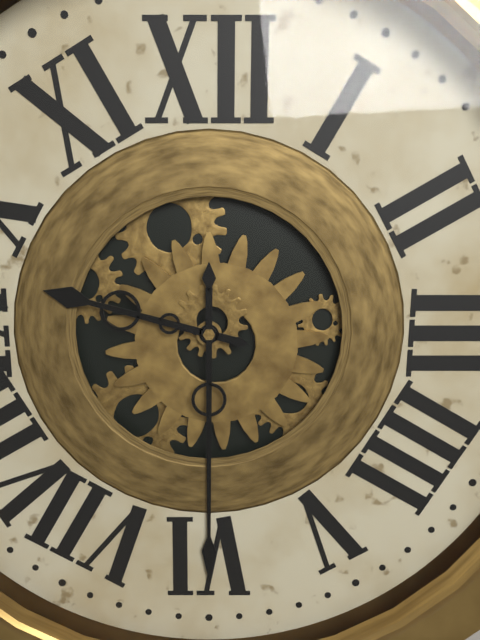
h=9 m=30
